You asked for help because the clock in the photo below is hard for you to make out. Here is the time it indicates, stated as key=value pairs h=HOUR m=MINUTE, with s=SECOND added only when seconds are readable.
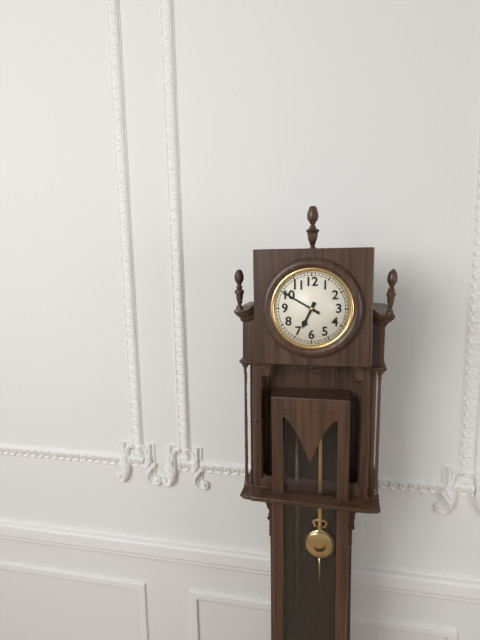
h=6 m=50
